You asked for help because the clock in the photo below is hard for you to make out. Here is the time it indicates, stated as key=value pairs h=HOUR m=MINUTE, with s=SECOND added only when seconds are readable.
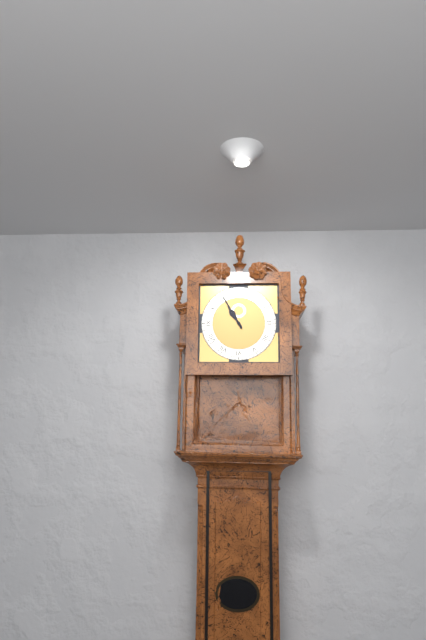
h=10 m=55
